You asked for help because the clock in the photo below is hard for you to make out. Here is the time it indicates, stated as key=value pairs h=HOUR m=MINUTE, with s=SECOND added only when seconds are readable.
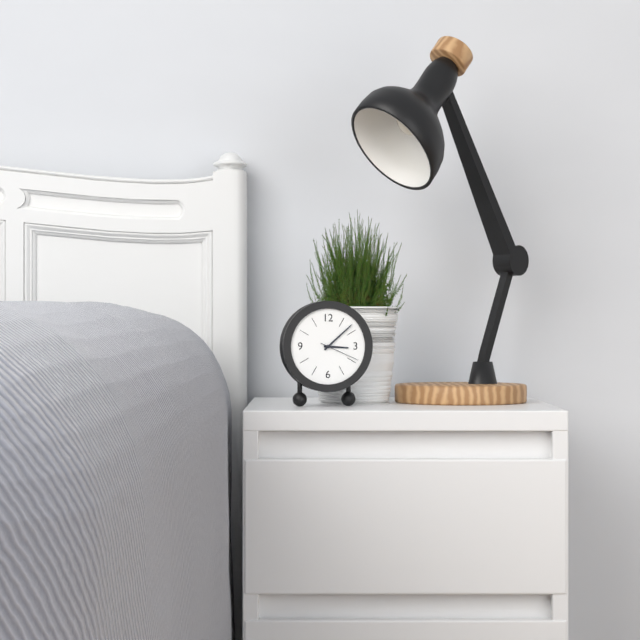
h=3 m=8
